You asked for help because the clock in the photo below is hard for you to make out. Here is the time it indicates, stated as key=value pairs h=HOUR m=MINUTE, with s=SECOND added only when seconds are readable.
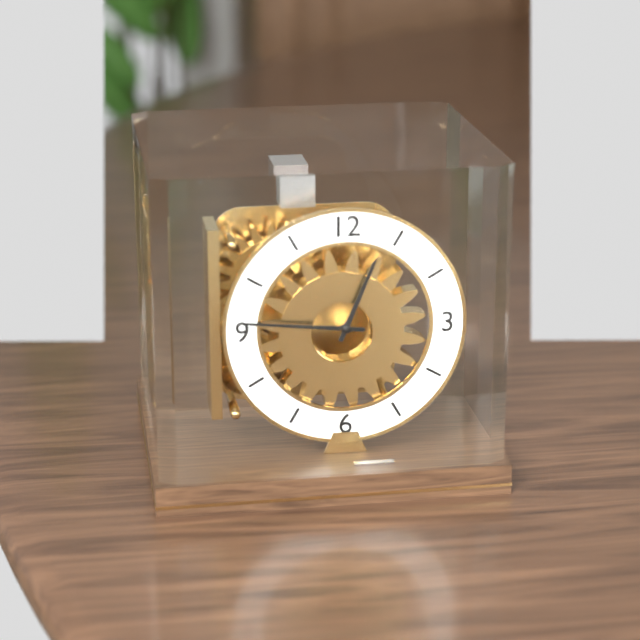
h=12 m=46
